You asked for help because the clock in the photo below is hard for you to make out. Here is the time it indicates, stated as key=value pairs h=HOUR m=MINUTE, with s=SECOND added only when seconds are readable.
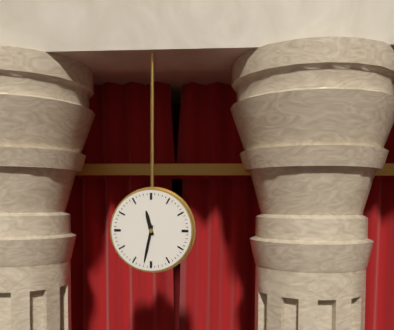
h=11 m=32
